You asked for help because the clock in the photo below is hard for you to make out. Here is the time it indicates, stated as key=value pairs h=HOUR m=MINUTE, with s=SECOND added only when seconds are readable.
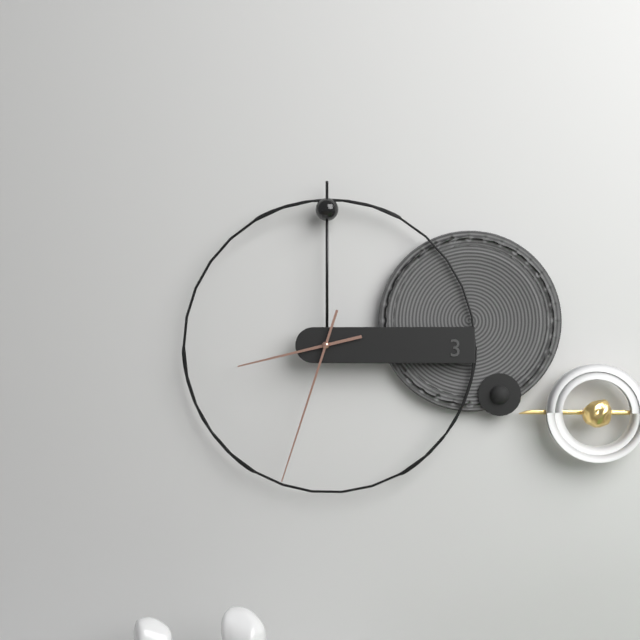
h=8 m=33
